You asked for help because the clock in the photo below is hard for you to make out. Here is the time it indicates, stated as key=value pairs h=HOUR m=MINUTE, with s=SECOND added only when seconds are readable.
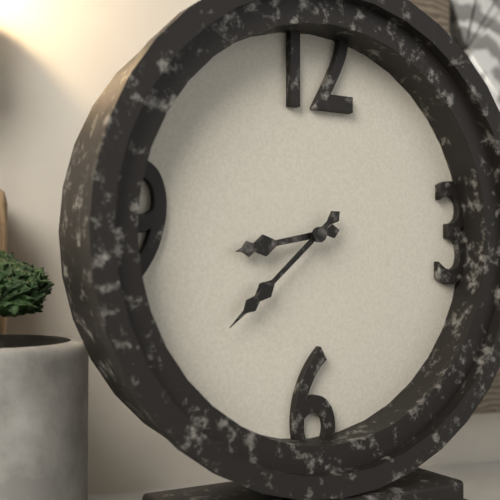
h=8 m=38
